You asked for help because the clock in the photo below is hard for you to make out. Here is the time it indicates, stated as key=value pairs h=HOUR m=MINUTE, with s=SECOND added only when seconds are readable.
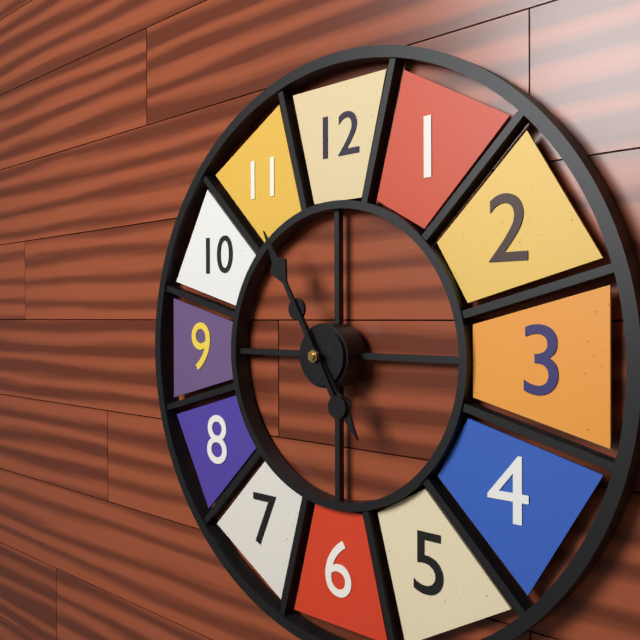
h=4 m=55
